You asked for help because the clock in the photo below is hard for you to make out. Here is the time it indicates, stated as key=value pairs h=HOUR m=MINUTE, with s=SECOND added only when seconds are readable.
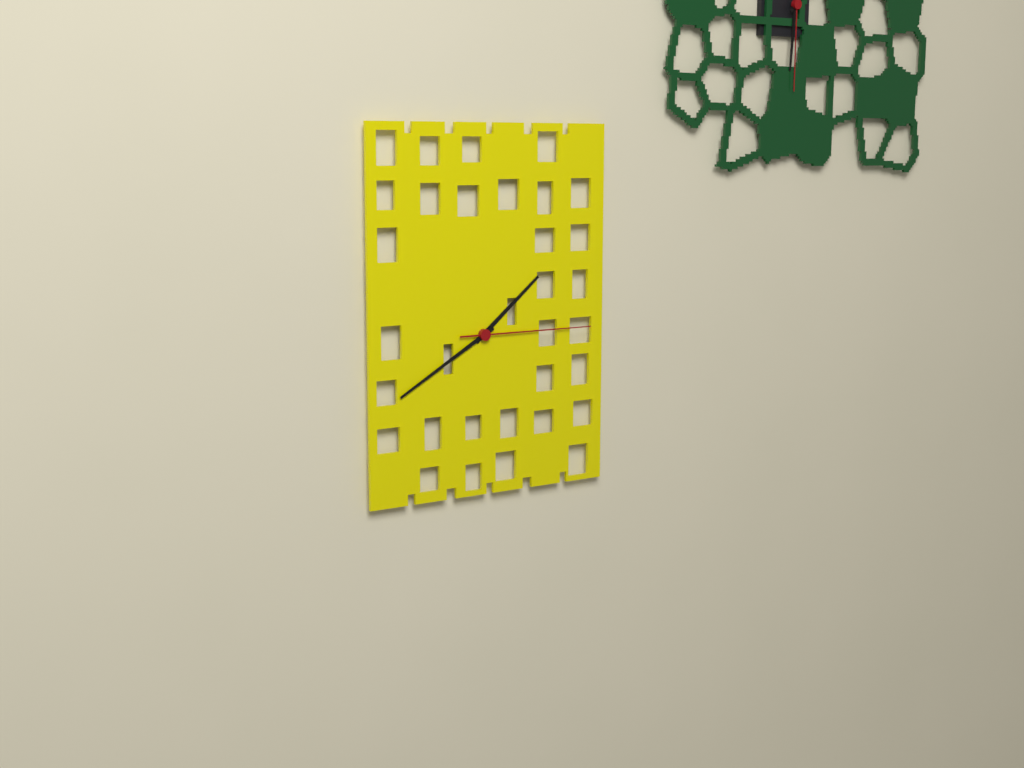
h=1 m=40 s=15
